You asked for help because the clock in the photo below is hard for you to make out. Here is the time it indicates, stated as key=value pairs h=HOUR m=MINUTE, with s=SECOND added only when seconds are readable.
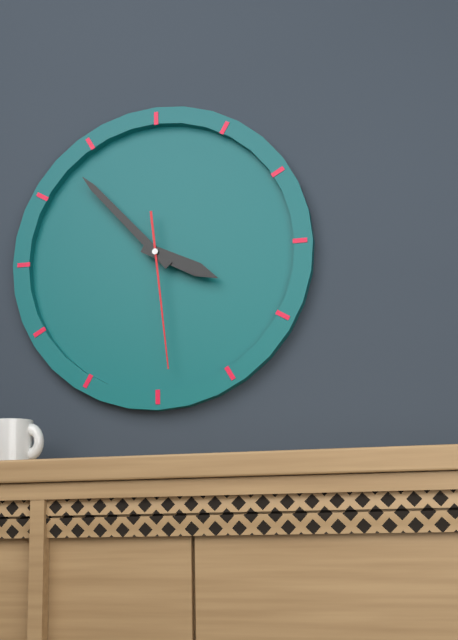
h=3 m=53 s=29
